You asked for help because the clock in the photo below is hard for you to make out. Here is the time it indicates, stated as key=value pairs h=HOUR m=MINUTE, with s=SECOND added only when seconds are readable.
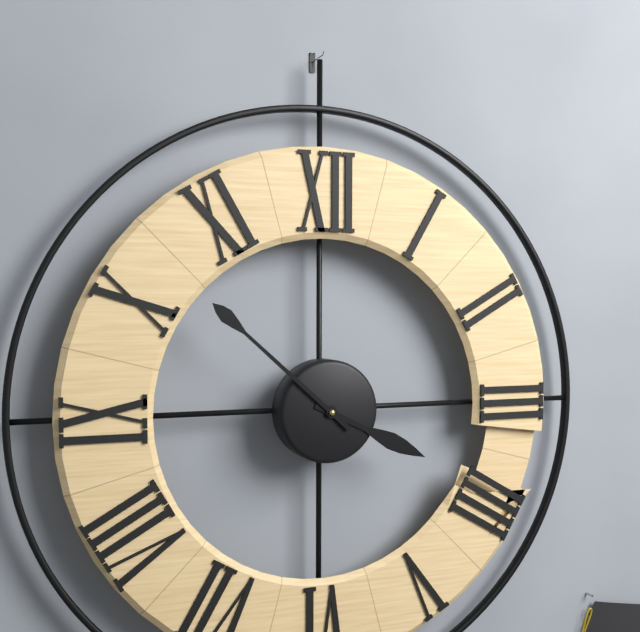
h=3 m=52
